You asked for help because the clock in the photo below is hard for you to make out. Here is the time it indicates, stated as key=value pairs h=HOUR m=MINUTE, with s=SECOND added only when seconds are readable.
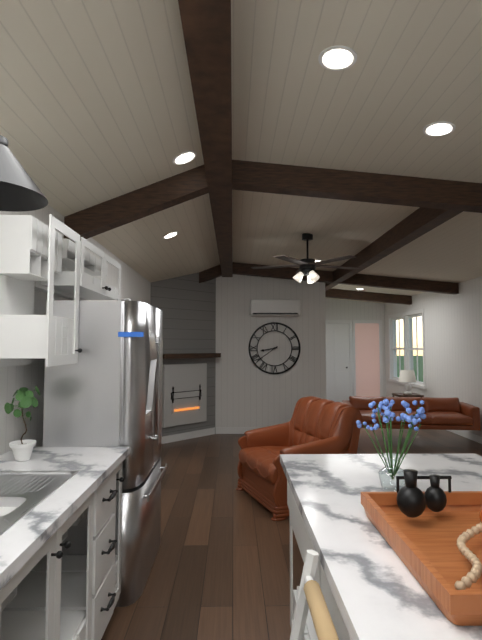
h=8 m=39
